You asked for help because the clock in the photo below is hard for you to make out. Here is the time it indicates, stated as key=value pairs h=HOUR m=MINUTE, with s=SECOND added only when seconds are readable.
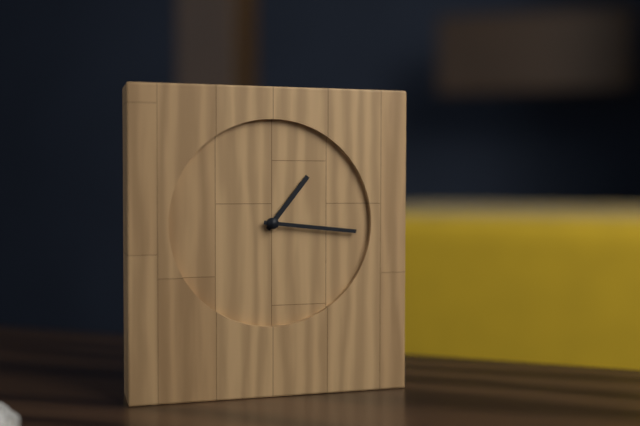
h=1 m=16
